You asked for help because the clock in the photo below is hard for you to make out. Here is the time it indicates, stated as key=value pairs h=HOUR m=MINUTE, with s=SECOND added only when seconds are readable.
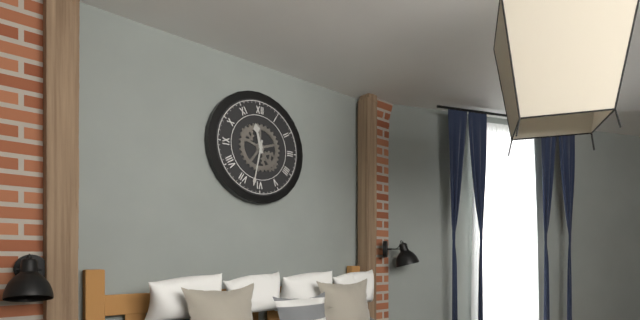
h=11 m=32
